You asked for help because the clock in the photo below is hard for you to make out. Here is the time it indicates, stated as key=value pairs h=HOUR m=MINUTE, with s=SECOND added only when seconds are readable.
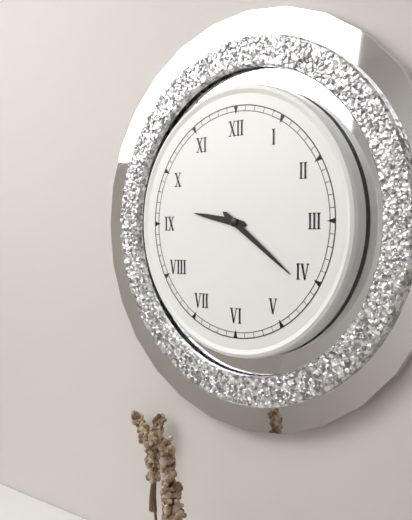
h=9 m=21
